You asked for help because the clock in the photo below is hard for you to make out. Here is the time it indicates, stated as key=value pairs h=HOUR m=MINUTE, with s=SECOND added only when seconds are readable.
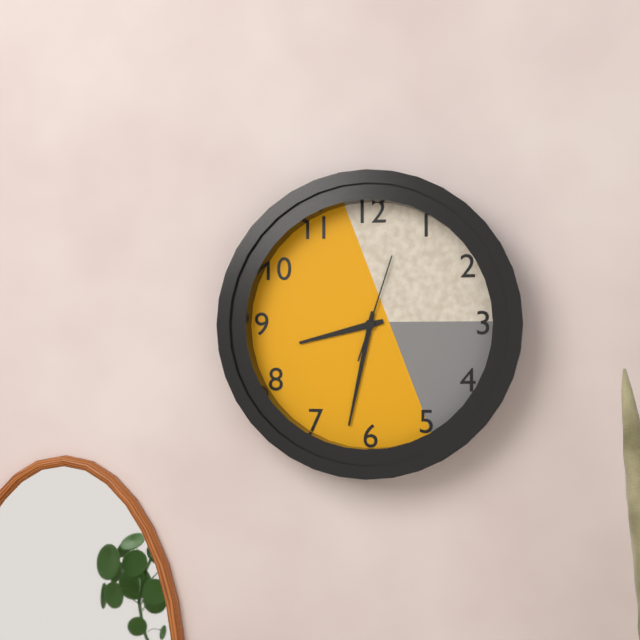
h=8 m=32 s=3
